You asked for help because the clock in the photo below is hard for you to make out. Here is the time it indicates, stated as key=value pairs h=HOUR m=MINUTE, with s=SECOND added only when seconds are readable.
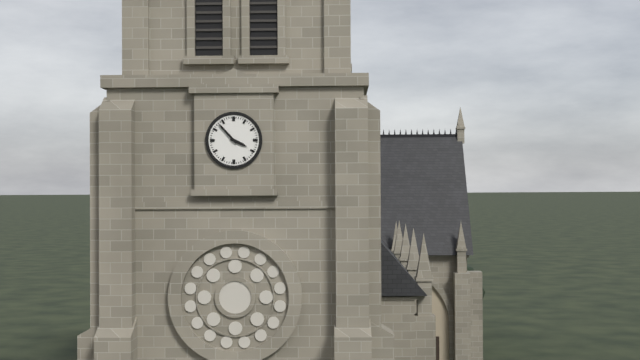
h=3 m=53
